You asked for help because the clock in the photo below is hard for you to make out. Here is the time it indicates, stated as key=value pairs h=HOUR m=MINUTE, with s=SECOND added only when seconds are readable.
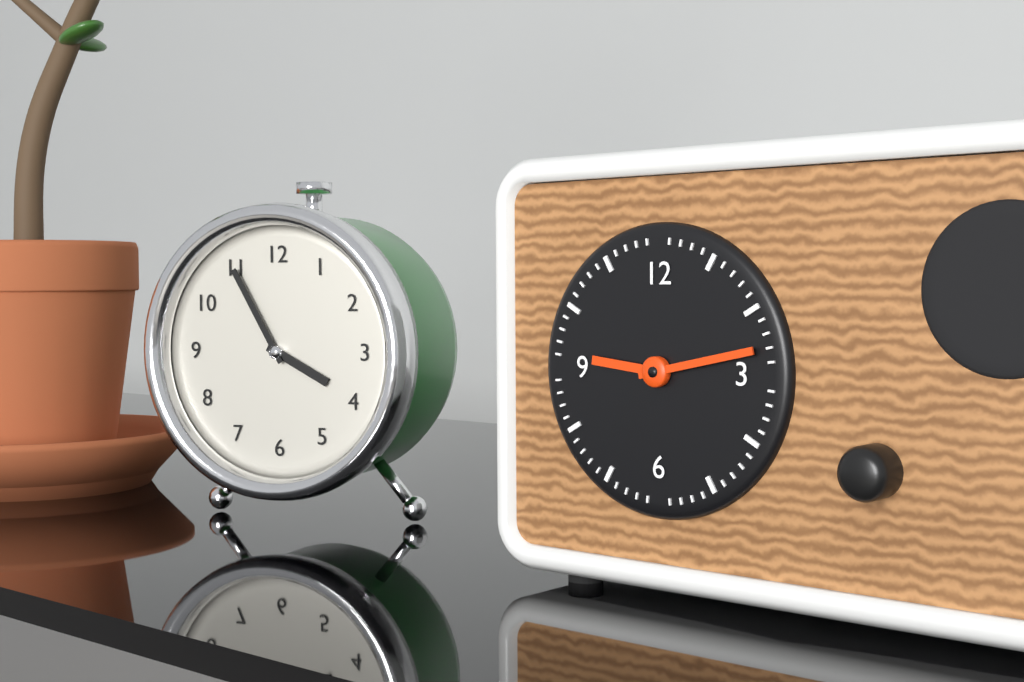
h=9 m=13
